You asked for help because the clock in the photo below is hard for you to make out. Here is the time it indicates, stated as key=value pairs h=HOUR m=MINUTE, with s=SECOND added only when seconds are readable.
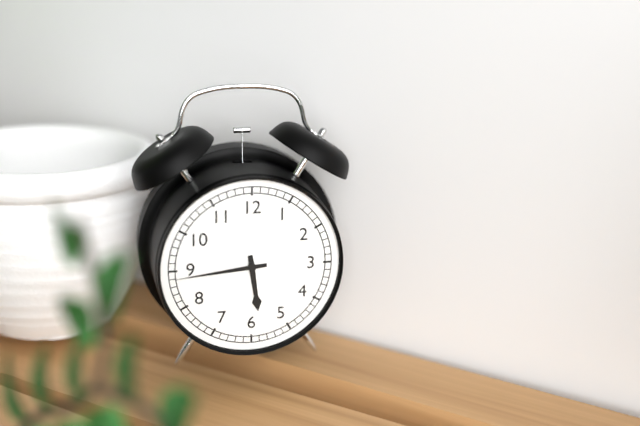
h=5 m=44
